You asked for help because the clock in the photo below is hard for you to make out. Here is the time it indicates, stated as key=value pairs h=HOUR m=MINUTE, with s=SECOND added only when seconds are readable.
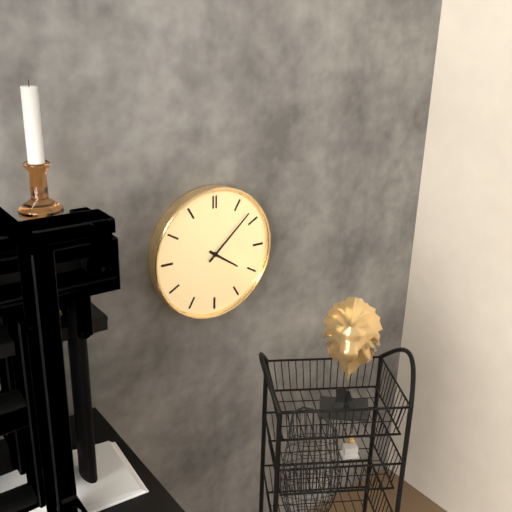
h=4 m=8
